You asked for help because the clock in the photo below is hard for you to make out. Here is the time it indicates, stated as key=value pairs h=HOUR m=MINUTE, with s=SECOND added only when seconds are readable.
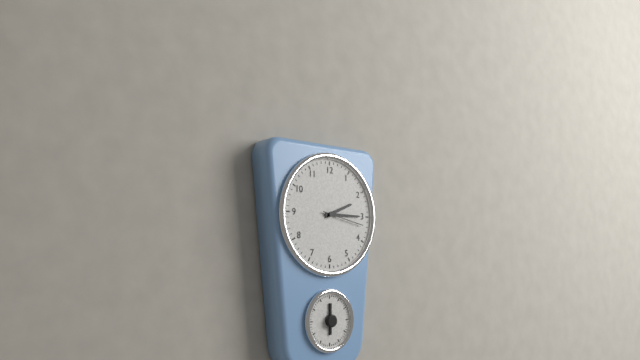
h=2 m=15
